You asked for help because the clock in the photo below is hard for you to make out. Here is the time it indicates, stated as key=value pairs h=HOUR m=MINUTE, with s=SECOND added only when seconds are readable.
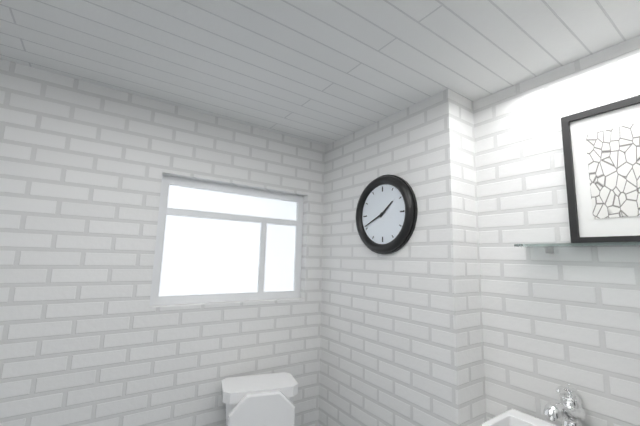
h=1 m=41
